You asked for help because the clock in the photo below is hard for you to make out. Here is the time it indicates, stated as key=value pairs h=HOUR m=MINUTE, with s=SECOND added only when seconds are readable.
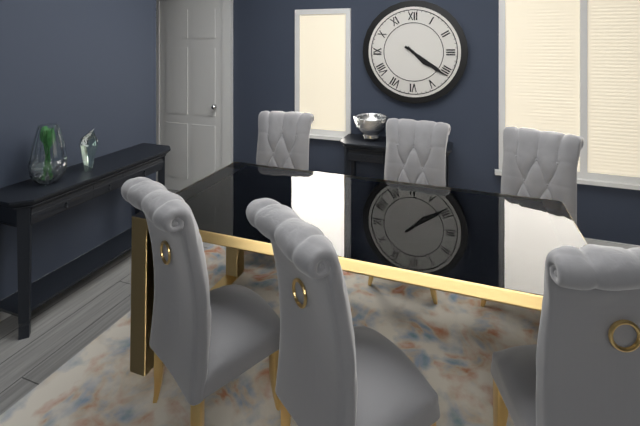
h=4 m=21
